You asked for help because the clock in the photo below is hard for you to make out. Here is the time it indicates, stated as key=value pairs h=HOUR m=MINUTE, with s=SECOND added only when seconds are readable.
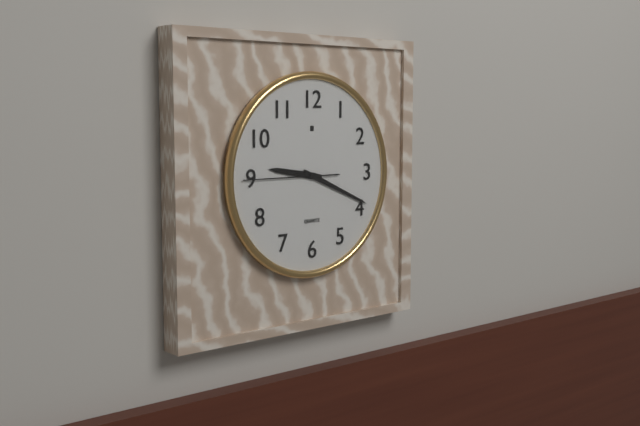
h=9 m=19 s=45
